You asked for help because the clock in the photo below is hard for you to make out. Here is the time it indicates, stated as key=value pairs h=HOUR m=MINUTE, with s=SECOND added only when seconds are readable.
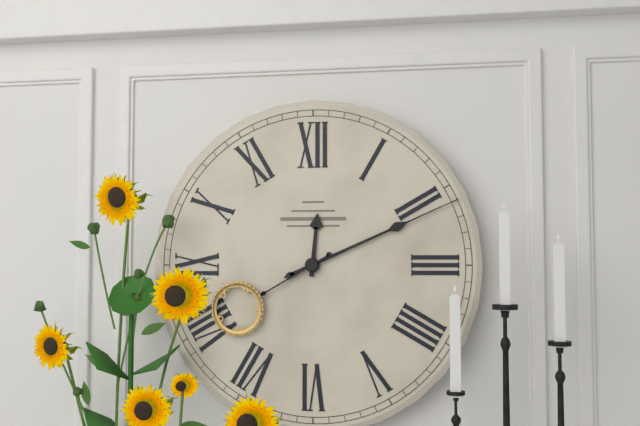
h=12 m=11 s=40
